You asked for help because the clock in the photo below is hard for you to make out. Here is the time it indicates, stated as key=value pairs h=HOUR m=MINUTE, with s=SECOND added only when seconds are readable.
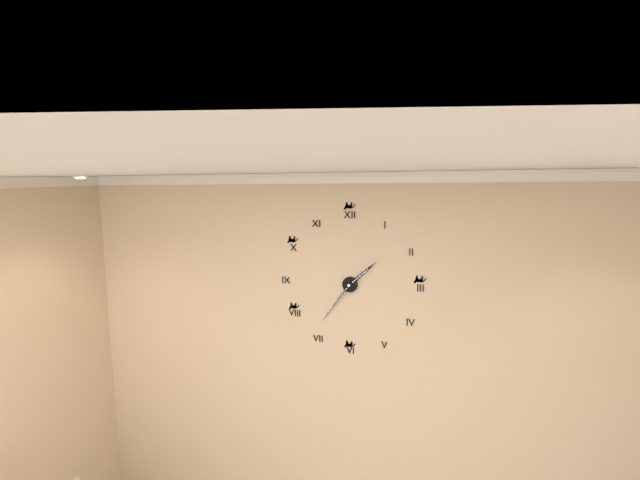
h=1 m=36
